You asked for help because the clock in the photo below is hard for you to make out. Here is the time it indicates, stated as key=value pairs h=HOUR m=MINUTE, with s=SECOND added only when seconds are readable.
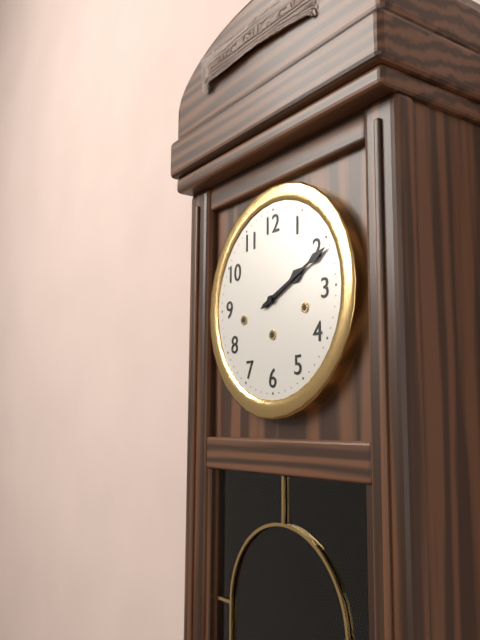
h=2 m=11
